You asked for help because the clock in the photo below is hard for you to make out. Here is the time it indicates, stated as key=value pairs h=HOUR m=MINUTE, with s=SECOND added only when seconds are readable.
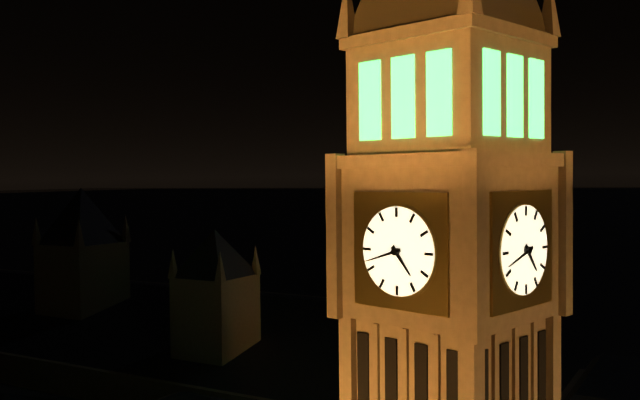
h=4 m=42
